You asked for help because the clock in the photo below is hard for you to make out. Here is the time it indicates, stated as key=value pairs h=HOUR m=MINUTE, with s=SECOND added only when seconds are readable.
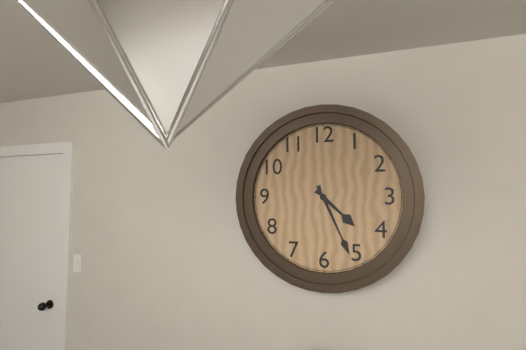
h=4 m=26
